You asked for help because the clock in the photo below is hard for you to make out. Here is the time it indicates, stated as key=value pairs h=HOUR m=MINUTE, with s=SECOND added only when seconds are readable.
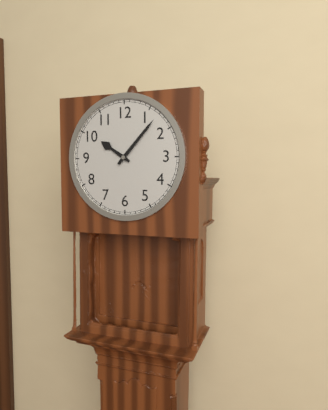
h=10 m=7
